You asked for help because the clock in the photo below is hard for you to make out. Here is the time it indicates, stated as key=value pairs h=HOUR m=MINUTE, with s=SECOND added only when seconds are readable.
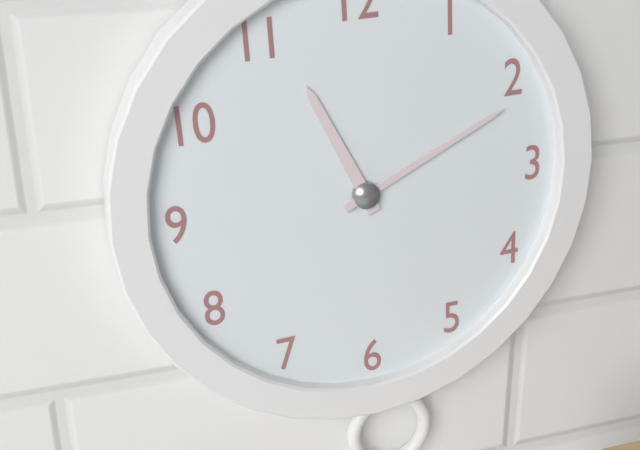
h=11 m=11
